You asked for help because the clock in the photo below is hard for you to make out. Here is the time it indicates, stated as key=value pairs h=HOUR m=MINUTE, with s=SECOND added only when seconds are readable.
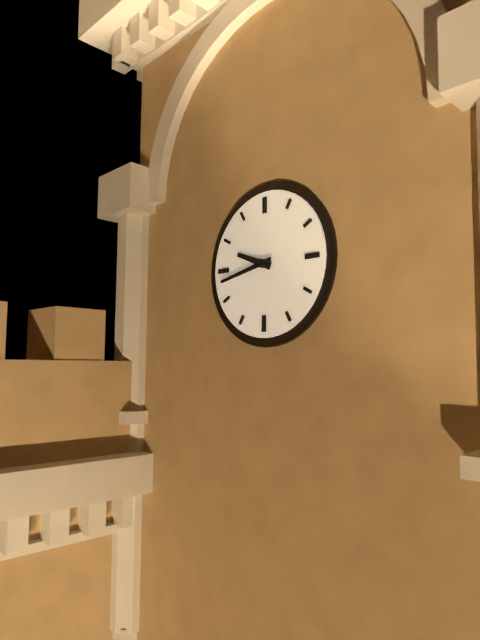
h=9 m=43
